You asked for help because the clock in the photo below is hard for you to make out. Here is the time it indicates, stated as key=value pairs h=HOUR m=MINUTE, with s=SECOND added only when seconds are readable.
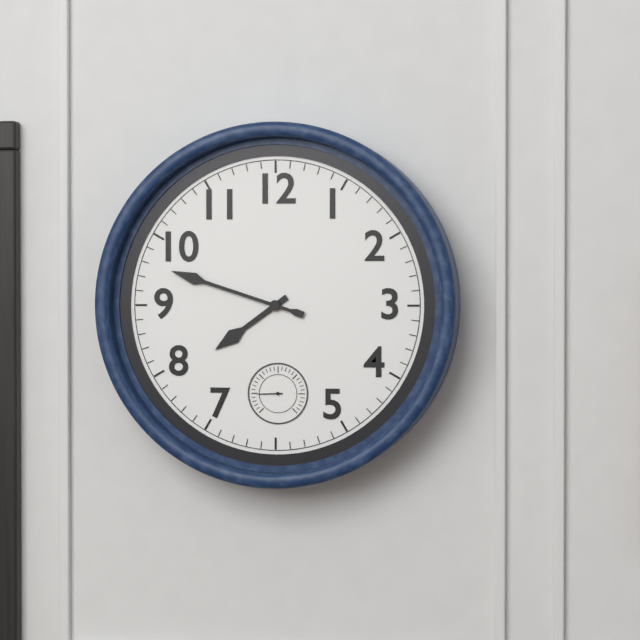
h=7 m=48
